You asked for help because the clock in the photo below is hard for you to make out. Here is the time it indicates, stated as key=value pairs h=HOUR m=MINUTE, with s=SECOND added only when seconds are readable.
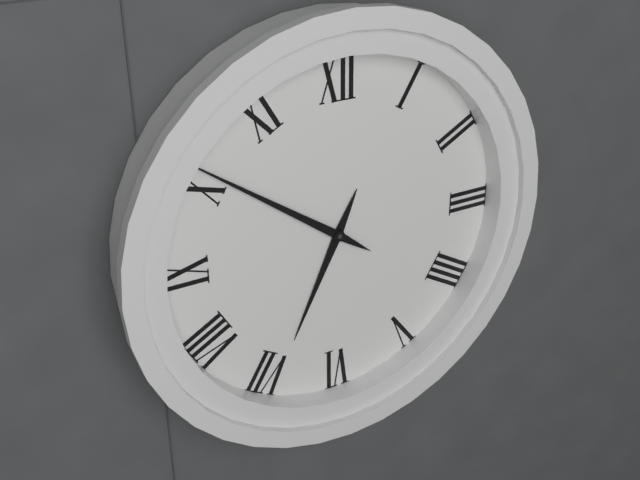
h=6 m=51
